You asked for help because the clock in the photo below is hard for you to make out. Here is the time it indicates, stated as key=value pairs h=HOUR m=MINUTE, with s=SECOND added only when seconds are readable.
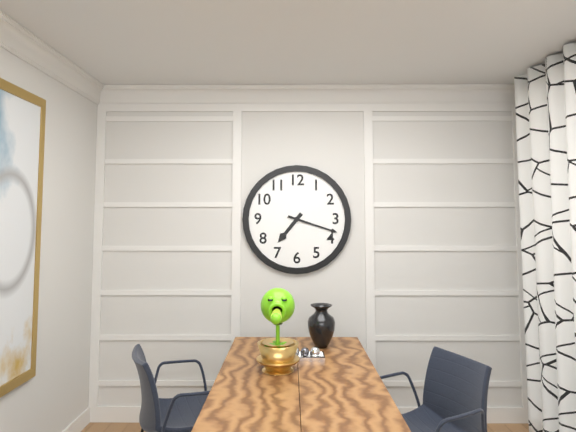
h=7 m=18
